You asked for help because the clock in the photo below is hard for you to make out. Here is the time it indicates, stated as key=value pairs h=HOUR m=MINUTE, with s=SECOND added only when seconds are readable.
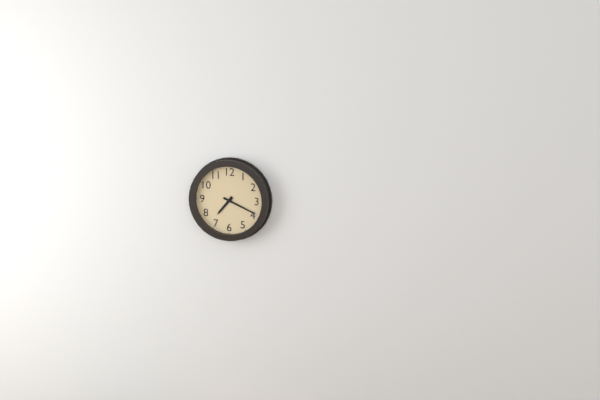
h=7 m=19
